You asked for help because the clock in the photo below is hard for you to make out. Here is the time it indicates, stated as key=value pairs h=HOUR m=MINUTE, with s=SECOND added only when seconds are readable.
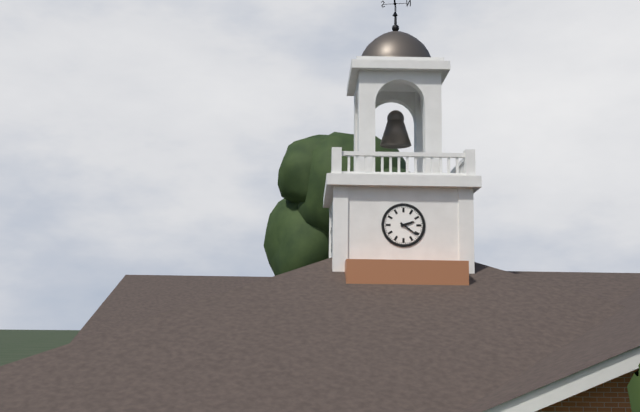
h=2 m=21
